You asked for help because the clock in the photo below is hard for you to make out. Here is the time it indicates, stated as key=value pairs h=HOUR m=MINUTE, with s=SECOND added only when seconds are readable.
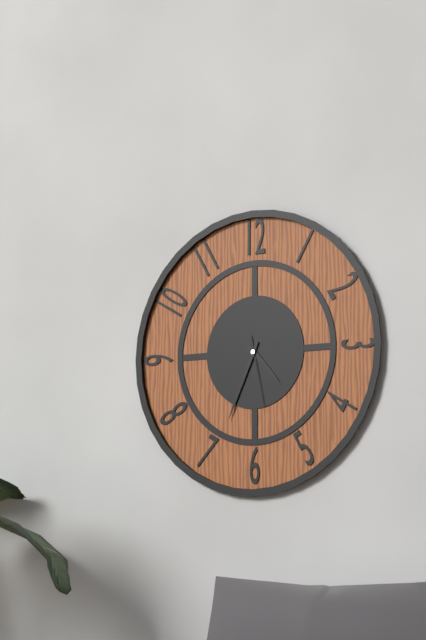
h=4 m=34 s=28
